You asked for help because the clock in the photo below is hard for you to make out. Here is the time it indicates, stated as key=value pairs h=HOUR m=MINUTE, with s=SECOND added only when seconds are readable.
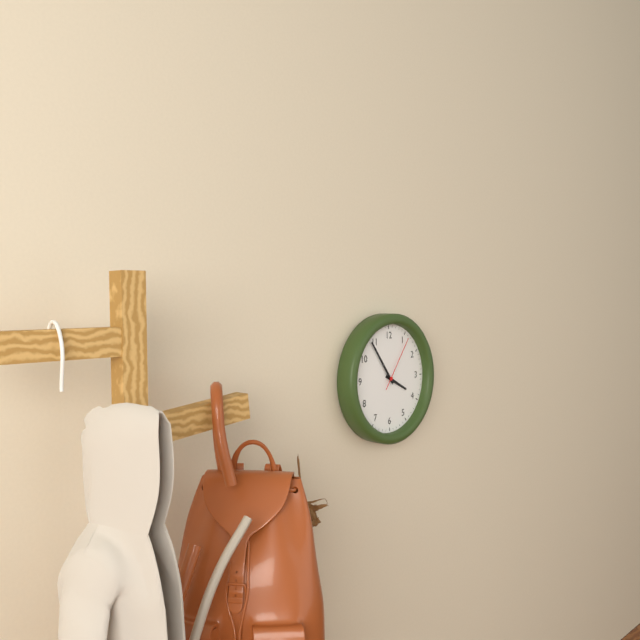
h=3 m=54 s=6
